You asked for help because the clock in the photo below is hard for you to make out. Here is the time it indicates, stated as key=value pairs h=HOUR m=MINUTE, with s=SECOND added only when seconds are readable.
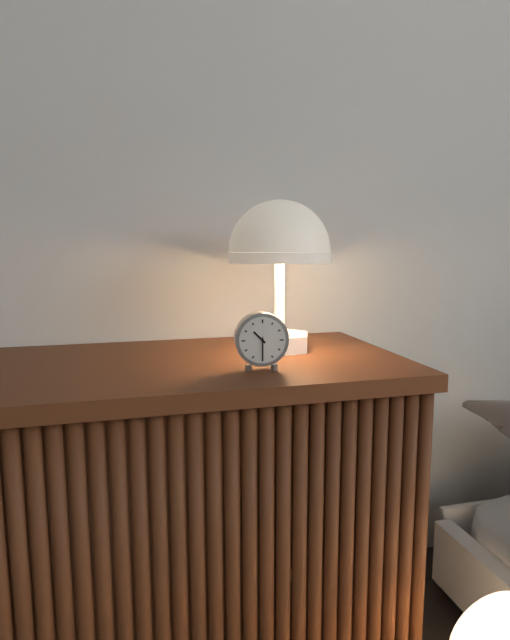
h=10 m=30
